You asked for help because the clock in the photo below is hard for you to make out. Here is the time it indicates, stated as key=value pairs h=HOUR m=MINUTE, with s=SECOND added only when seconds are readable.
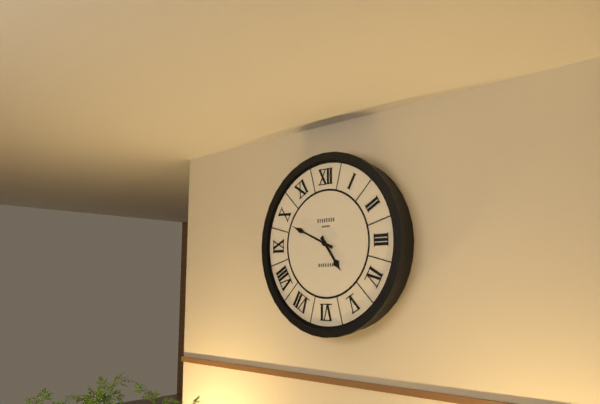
h=4 m=49
